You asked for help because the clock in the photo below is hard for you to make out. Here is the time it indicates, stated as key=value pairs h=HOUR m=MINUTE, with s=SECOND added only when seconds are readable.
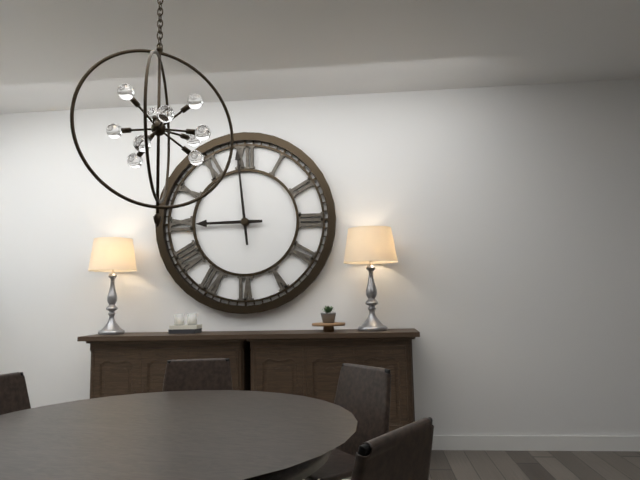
h=8 m=59
